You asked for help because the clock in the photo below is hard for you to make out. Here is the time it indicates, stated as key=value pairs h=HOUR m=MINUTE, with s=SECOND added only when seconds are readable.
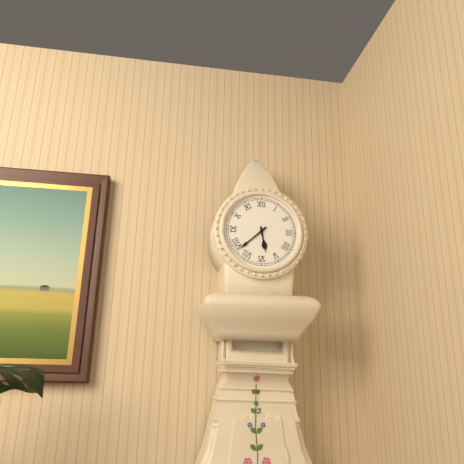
h=5 m=38
